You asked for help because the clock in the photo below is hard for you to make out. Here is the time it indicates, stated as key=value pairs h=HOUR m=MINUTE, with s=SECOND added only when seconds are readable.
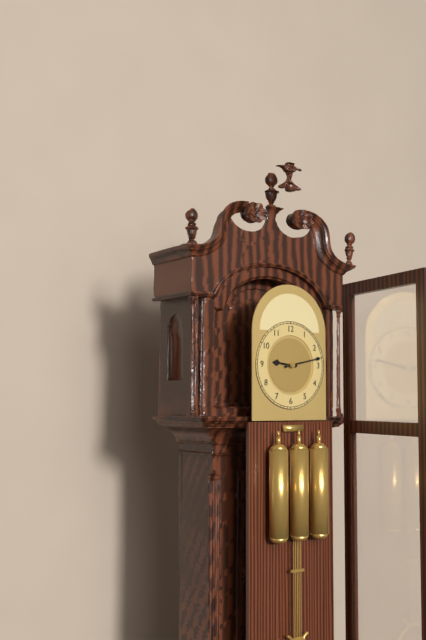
h=9 m=13
